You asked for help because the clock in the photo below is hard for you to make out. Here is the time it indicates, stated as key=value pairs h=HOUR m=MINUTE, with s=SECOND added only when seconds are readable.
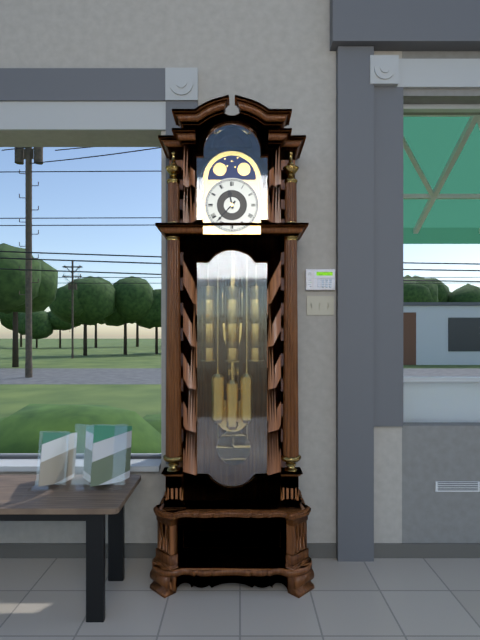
h=11 m=37
